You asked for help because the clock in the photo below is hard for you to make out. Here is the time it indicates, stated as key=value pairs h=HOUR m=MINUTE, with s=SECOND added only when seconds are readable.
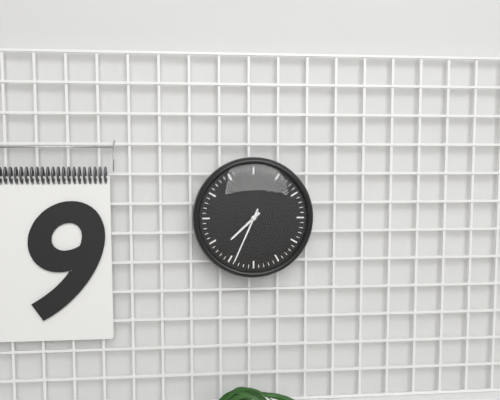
h=7 m=34
